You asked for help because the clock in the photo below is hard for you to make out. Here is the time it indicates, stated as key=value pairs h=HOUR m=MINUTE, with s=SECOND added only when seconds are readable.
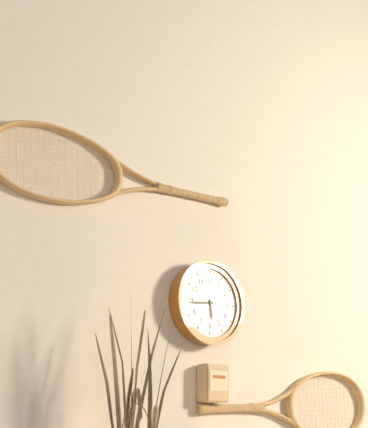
h=5 m=44
